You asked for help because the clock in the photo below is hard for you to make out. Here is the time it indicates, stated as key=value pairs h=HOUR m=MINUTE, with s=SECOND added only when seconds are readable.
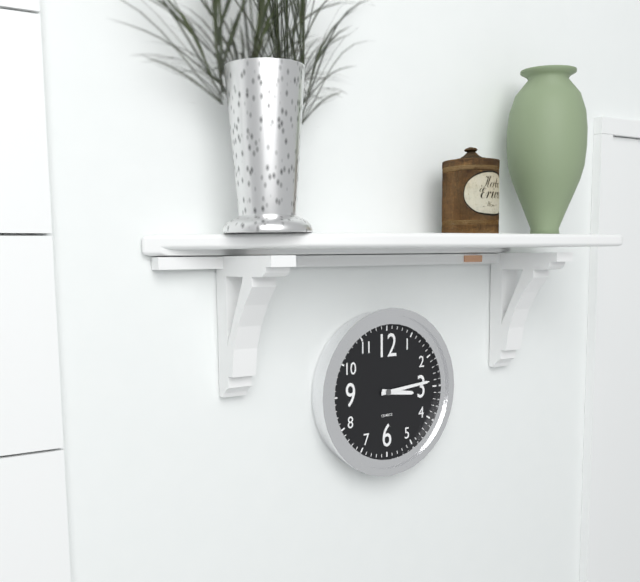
h=3 m=14
